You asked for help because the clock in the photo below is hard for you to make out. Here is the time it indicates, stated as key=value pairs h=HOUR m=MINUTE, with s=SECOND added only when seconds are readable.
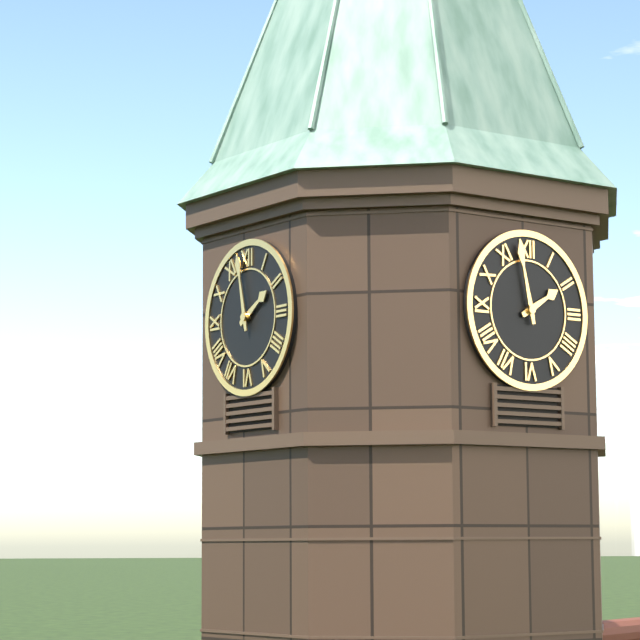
h=1 m=58
